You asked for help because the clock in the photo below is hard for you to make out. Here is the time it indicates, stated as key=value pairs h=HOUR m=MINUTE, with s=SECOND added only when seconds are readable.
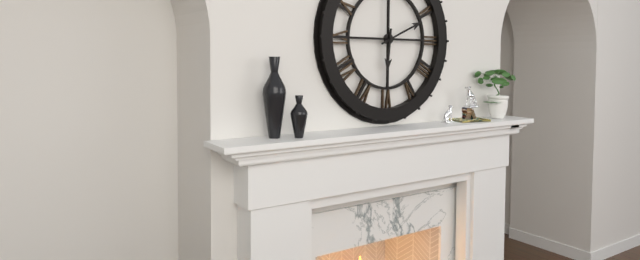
h=6 m=11
